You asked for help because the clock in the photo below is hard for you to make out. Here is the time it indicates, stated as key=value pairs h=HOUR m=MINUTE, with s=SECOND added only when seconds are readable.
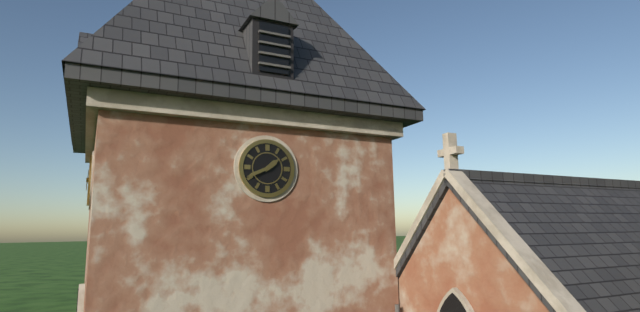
h=1 m=41
